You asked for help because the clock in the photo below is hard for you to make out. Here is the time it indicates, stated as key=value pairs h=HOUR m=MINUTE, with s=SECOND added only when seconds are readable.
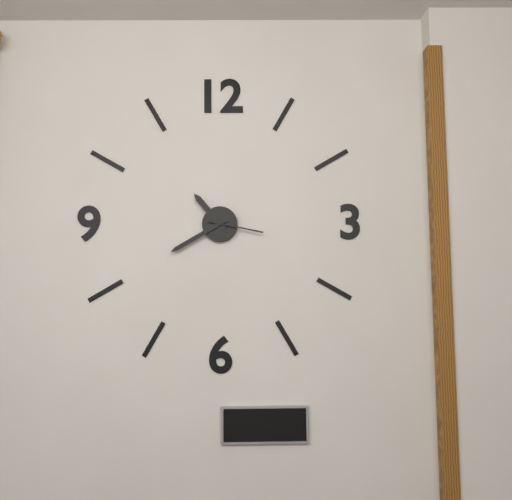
h=10 m=40 s=17
